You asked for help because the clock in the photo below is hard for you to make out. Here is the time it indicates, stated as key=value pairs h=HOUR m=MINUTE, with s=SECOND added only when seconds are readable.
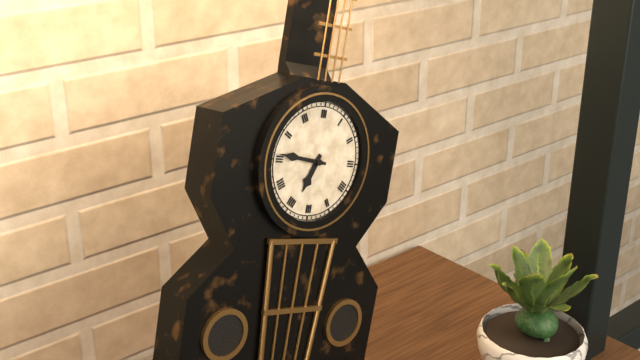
h=6 m=46
